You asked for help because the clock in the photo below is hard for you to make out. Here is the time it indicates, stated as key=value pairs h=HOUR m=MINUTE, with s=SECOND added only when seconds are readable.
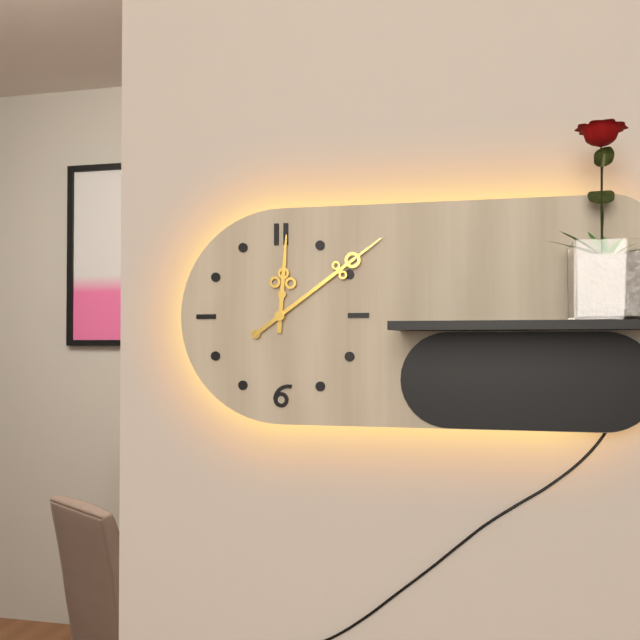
h=12 m=9
